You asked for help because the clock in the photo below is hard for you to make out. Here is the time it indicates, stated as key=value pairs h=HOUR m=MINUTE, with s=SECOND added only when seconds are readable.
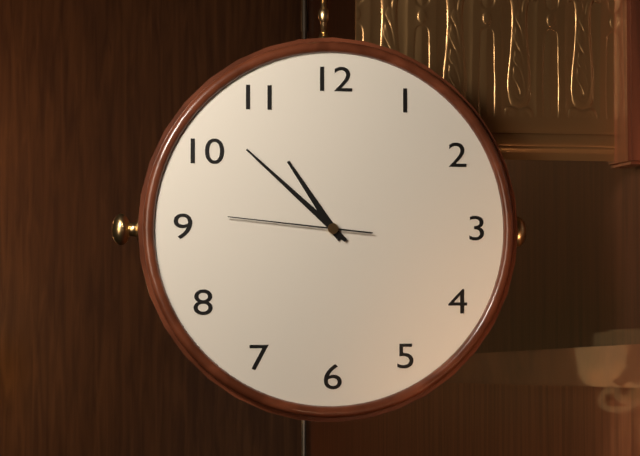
h=10 m=52 s=46
